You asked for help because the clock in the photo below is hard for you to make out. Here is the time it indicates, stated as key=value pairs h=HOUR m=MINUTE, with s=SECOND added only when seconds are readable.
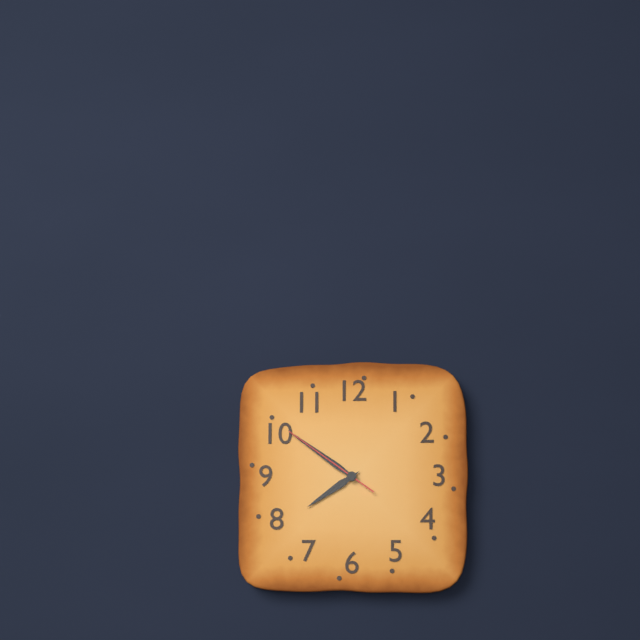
h=7 m=51 s=51
